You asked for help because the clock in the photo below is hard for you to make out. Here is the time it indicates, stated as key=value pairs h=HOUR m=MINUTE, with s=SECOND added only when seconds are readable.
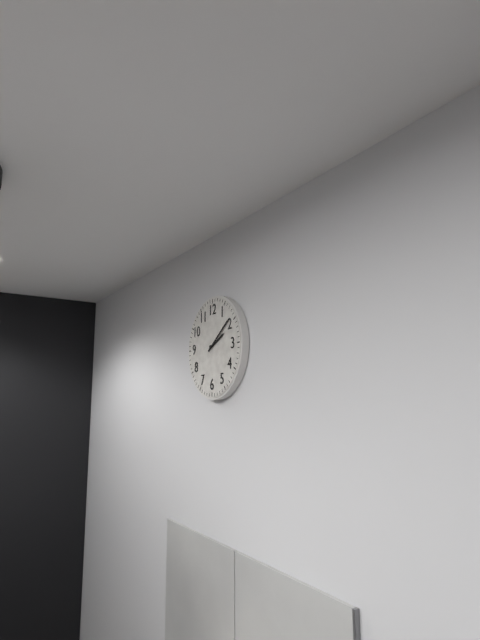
h=2 m=9
